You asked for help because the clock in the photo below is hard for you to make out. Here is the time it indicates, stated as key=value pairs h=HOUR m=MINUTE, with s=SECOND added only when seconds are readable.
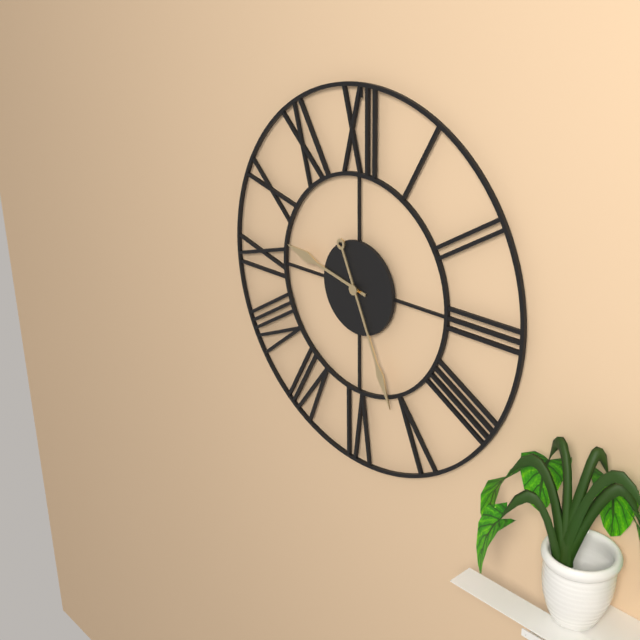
h=9 m=26
